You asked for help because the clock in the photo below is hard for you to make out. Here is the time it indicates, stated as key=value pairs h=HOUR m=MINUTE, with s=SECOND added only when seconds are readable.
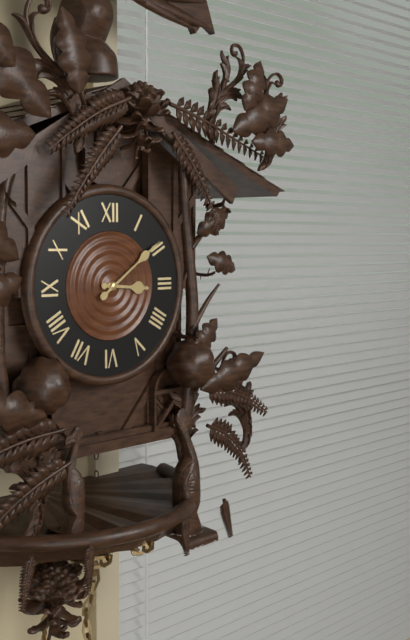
h=3 m=9
